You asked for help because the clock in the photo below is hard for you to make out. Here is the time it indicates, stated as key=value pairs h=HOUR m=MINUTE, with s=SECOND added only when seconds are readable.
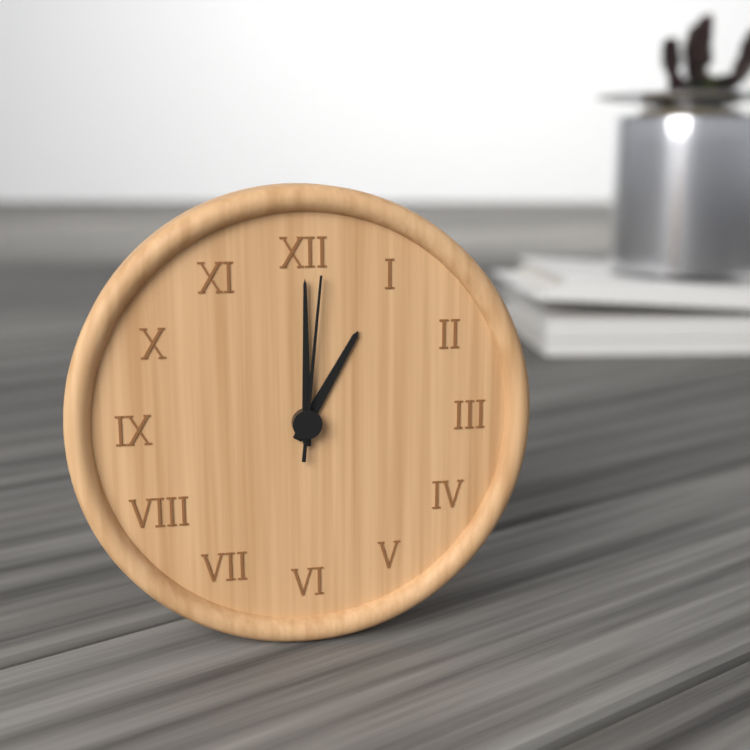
h=1 m=0 s=1
